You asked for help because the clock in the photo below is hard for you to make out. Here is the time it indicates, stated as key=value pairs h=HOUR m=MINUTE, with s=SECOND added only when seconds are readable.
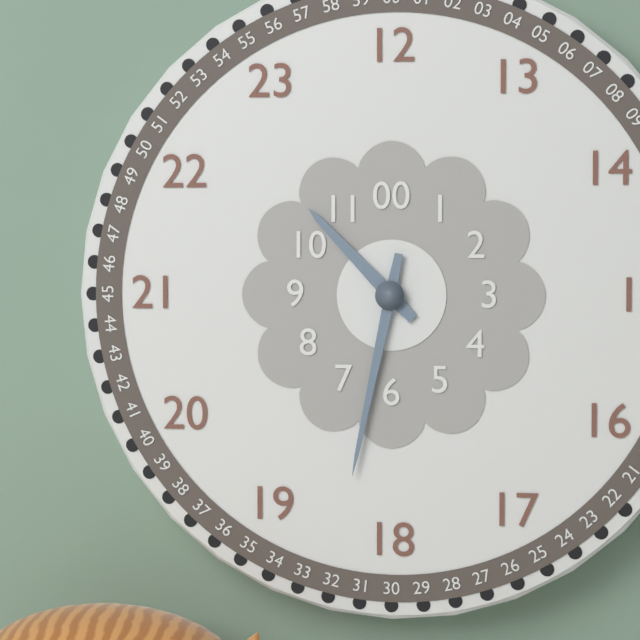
h=10 m=32
